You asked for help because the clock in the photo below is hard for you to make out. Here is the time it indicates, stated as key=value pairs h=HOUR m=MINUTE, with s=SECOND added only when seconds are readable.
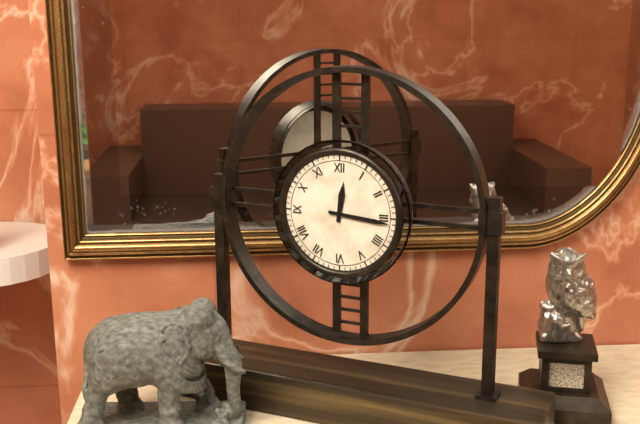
h=12 m=16
